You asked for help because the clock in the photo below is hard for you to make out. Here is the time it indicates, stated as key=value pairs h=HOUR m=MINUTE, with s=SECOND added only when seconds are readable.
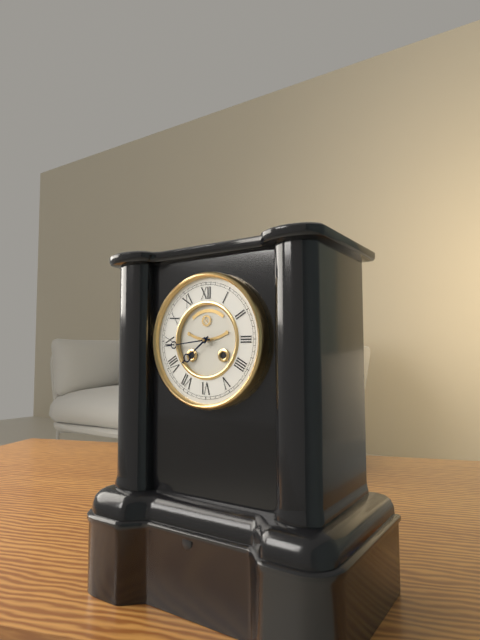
h=7 m=44
